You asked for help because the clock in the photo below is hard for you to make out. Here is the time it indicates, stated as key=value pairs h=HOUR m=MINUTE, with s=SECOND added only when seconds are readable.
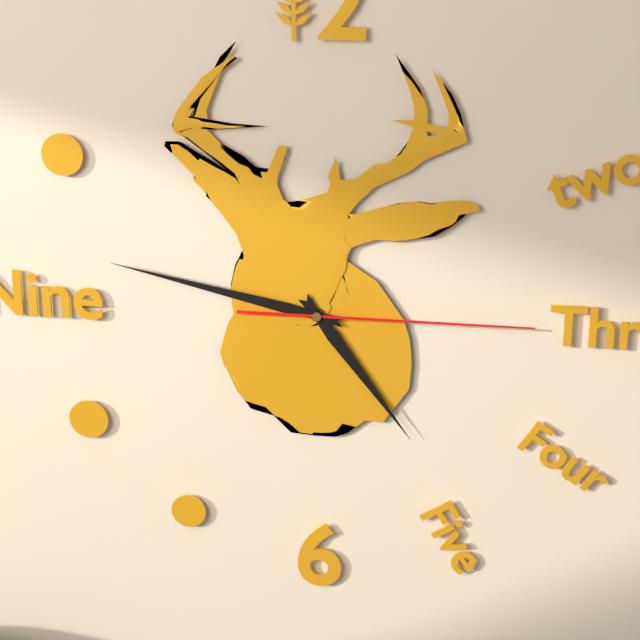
h=4 m=47 s=15
